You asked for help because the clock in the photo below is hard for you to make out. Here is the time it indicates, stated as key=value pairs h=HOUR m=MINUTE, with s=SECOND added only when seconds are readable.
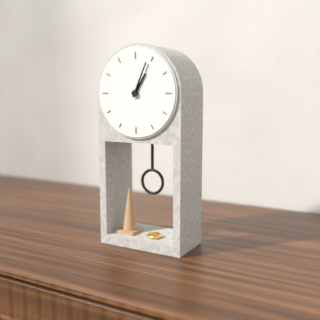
h=1 m=4
